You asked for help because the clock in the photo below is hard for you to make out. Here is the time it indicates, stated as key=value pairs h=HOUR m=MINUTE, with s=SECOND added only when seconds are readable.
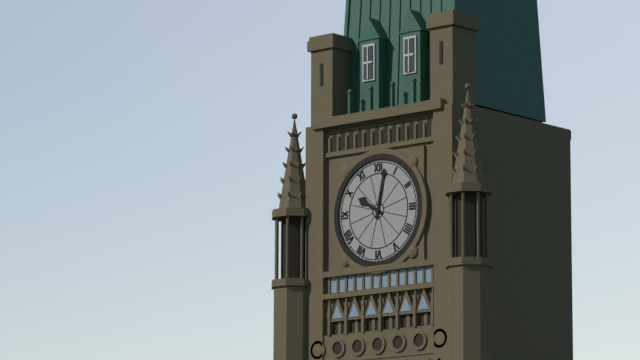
h=10 m=2
